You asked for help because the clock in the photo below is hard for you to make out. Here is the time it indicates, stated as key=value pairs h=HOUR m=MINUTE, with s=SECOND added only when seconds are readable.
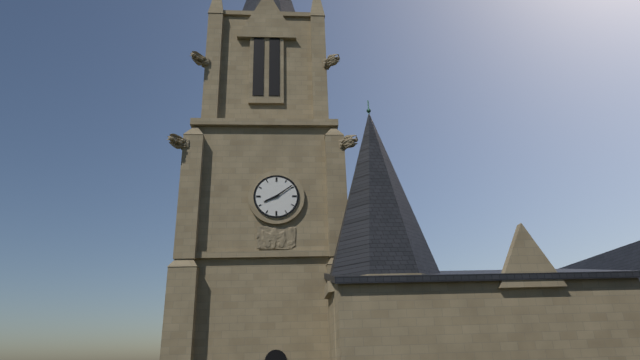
h=8 m=9
